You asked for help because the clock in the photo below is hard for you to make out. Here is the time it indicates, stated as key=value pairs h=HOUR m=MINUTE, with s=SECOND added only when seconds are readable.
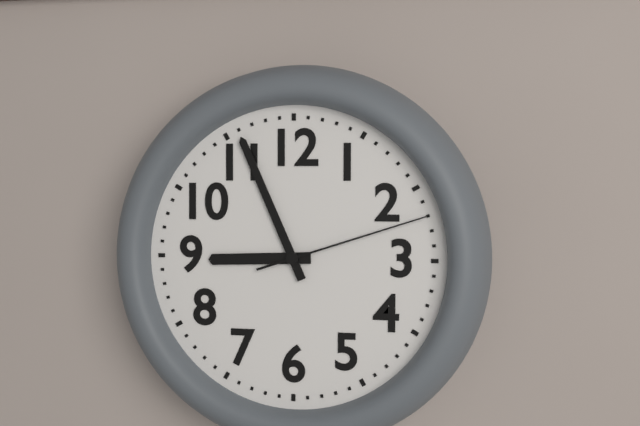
h=8 m=56 s=12
